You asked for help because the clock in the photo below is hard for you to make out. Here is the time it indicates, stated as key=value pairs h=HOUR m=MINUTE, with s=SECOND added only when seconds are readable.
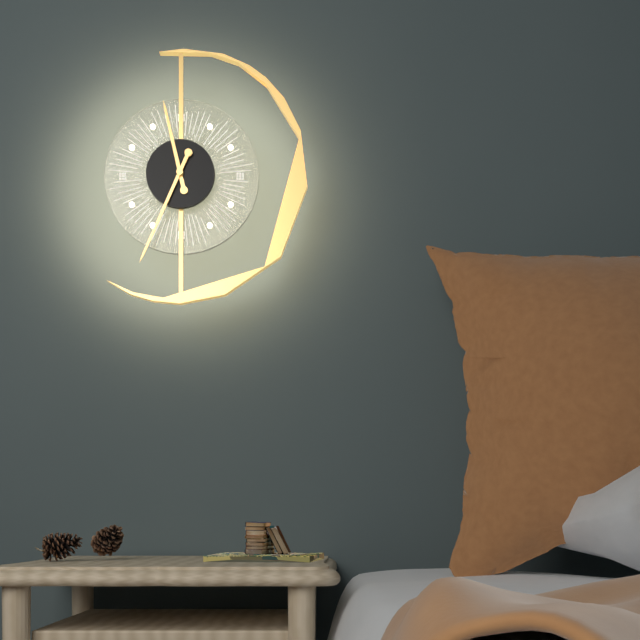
h=11 m=34
